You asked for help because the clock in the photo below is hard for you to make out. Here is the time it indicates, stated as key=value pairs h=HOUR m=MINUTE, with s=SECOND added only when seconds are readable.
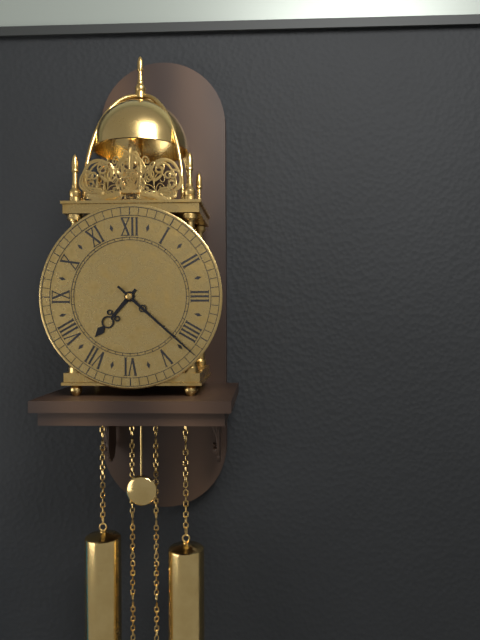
h=7 m=22
